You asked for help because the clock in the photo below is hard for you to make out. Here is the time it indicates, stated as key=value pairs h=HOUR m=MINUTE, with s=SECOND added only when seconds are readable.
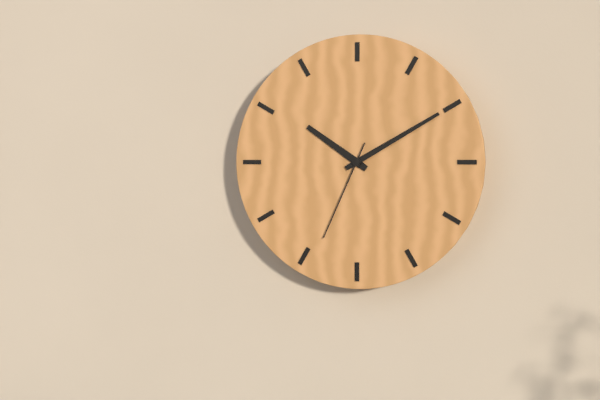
h=10 m=10 s=34
